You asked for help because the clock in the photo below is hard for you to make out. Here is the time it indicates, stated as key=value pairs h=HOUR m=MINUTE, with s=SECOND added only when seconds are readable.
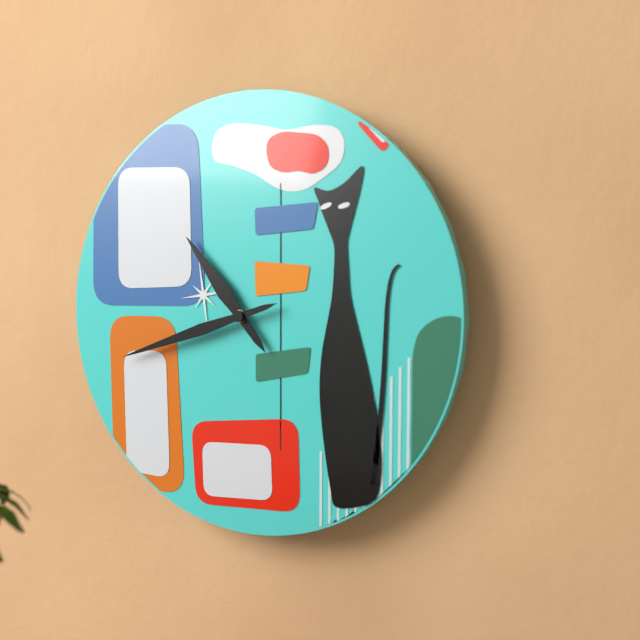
h=10 m=42
